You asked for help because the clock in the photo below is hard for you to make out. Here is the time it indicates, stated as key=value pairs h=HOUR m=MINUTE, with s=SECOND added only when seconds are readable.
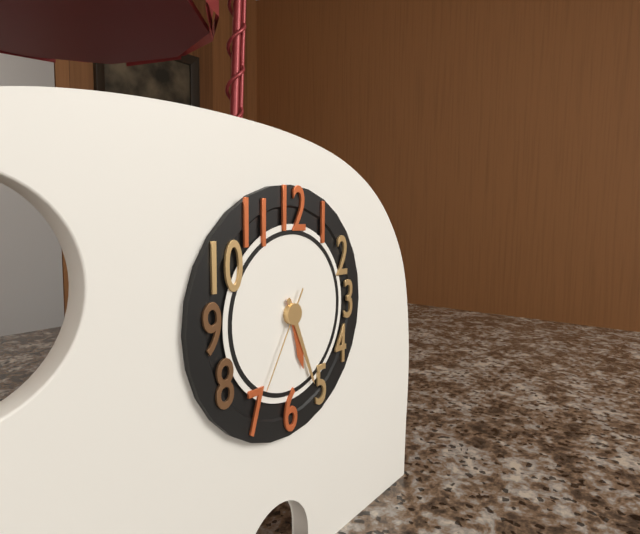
h=5 m=26 s=35
